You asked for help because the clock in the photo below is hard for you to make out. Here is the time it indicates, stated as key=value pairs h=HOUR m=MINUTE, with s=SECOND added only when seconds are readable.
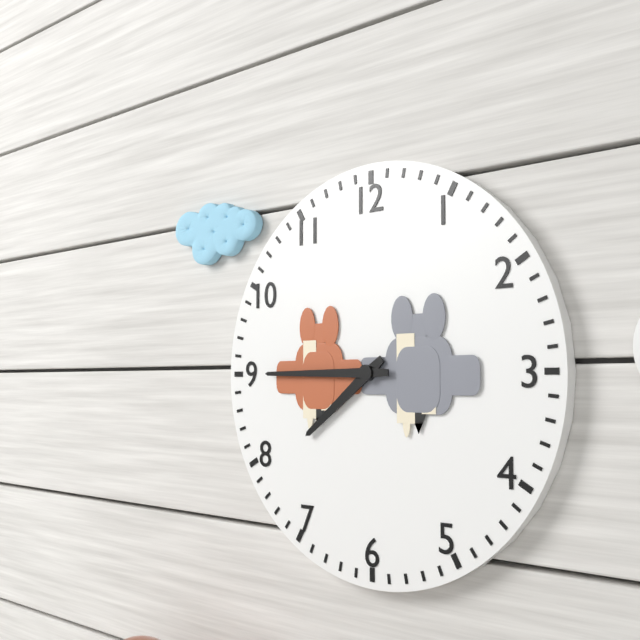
h=7 m=45
